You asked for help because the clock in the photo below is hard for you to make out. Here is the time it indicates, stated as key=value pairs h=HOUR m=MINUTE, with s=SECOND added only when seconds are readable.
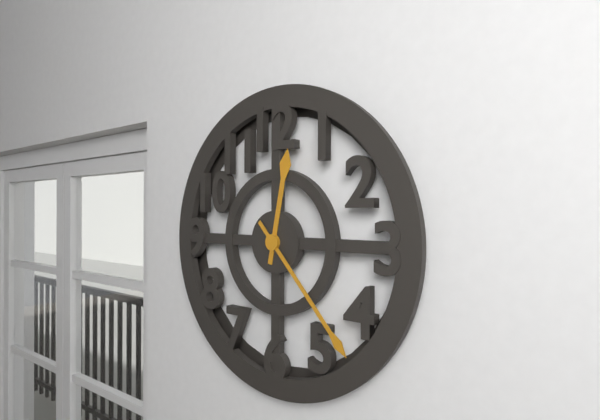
h=12 m=23
